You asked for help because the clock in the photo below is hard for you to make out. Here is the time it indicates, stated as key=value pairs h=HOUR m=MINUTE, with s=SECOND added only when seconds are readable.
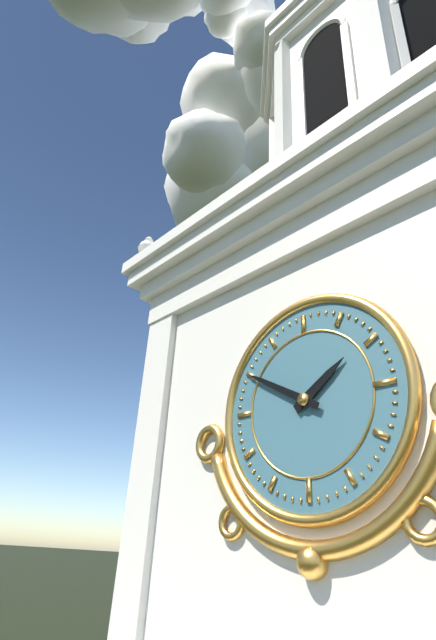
h=1 m=50
